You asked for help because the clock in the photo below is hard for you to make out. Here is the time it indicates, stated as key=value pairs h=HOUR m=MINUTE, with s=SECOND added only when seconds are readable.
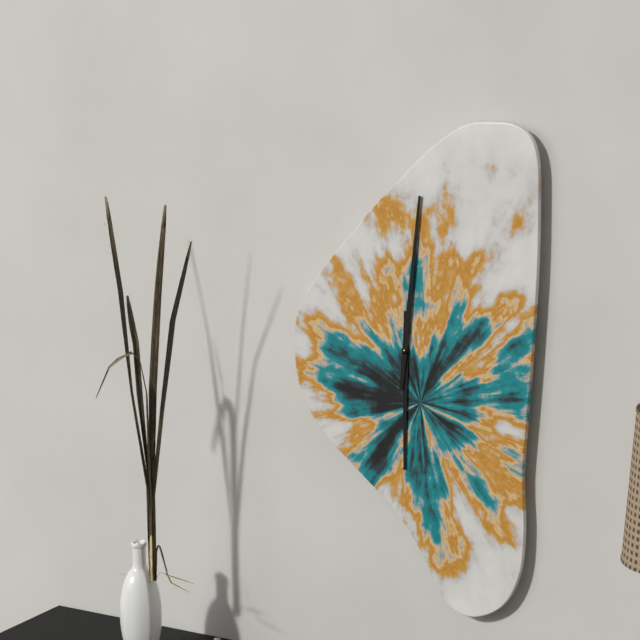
h=6 m=1
